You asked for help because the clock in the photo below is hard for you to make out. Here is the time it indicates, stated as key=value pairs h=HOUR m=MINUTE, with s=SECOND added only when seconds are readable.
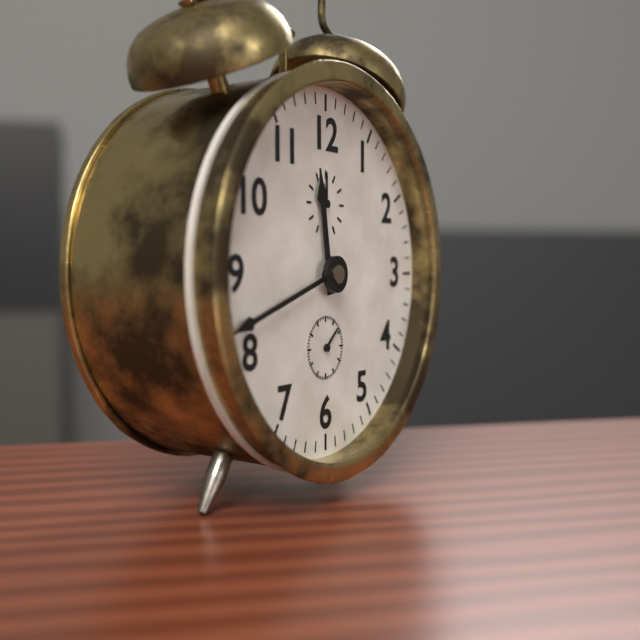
h=11 m=42
